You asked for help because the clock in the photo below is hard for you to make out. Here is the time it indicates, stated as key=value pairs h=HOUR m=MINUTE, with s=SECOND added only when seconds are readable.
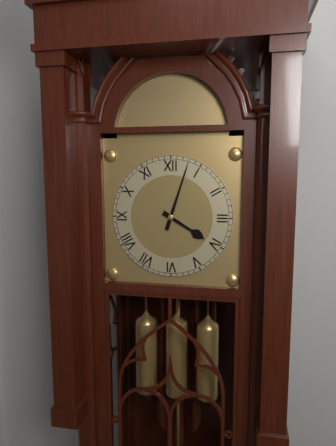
h=4 m=3
